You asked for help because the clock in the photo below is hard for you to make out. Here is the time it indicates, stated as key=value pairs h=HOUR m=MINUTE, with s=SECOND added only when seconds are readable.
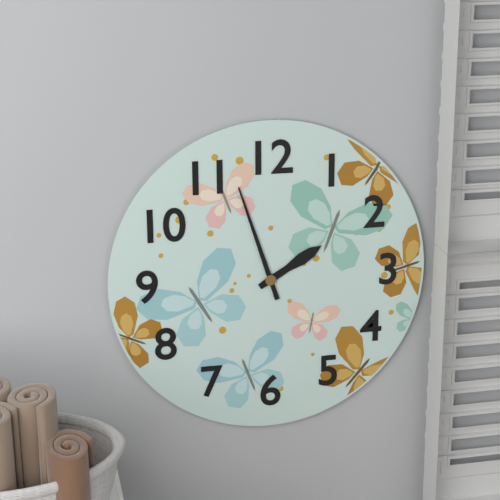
h=1 m=57
